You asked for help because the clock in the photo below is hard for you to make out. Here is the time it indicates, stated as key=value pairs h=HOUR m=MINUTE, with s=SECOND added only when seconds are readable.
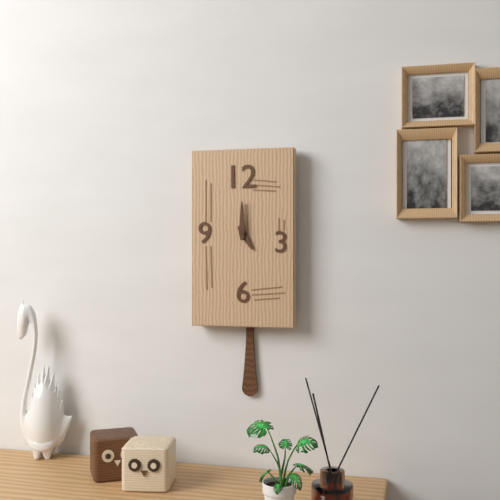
h=5 m=0
